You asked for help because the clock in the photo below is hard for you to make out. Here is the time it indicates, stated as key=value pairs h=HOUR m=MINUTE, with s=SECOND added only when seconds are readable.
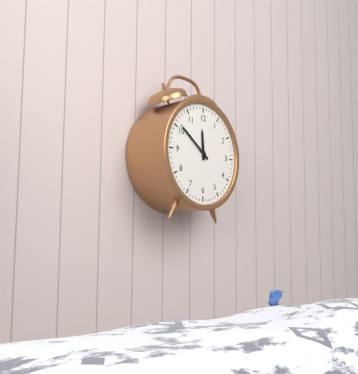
h=11 m=51
